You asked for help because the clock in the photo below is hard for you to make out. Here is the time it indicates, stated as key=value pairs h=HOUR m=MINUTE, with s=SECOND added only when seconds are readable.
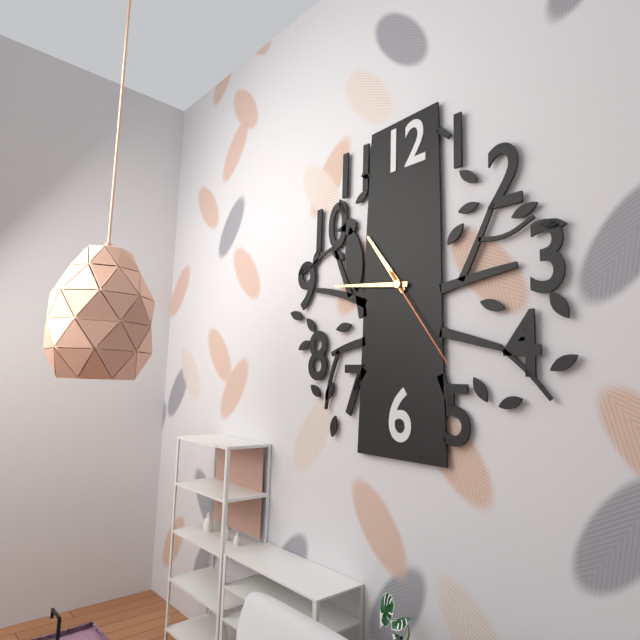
h=10 m=46 s=24
